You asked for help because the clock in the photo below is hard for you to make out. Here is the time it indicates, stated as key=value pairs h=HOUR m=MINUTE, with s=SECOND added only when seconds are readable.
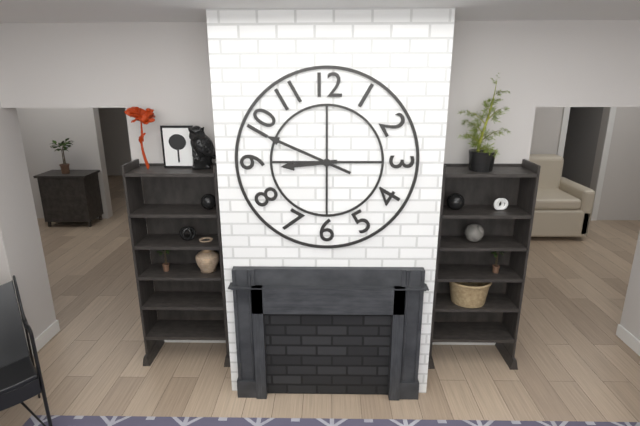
h=8 m=49
